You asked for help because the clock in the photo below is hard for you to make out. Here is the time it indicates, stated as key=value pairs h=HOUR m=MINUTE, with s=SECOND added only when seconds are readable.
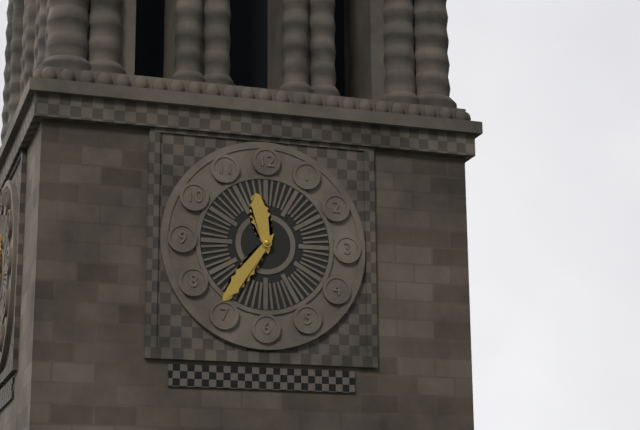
h=11 m=36
